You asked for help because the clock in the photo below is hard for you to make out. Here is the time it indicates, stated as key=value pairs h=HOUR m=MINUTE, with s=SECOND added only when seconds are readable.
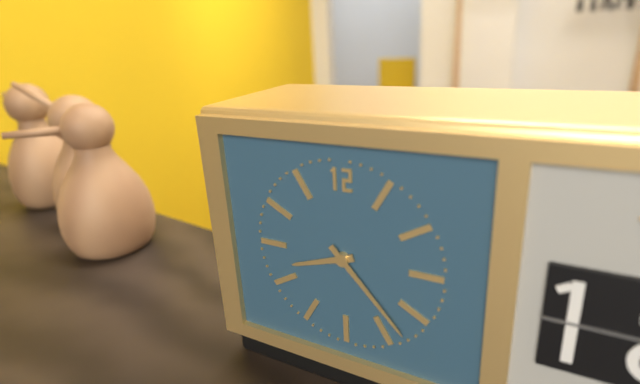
h=8 m=23
